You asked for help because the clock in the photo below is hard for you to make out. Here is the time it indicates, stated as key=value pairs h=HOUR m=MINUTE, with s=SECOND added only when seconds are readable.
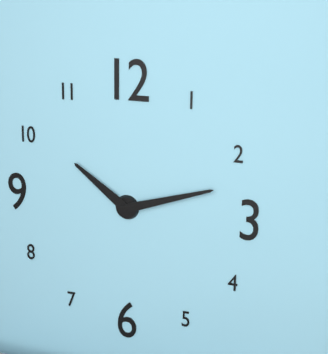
h=10 m=12
